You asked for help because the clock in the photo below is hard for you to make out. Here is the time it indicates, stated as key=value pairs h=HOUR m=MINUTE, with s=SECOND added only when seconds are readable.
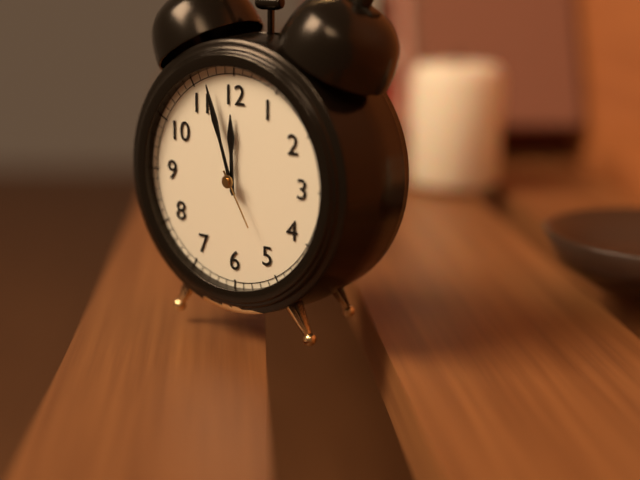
h=11 m=57 s=25
